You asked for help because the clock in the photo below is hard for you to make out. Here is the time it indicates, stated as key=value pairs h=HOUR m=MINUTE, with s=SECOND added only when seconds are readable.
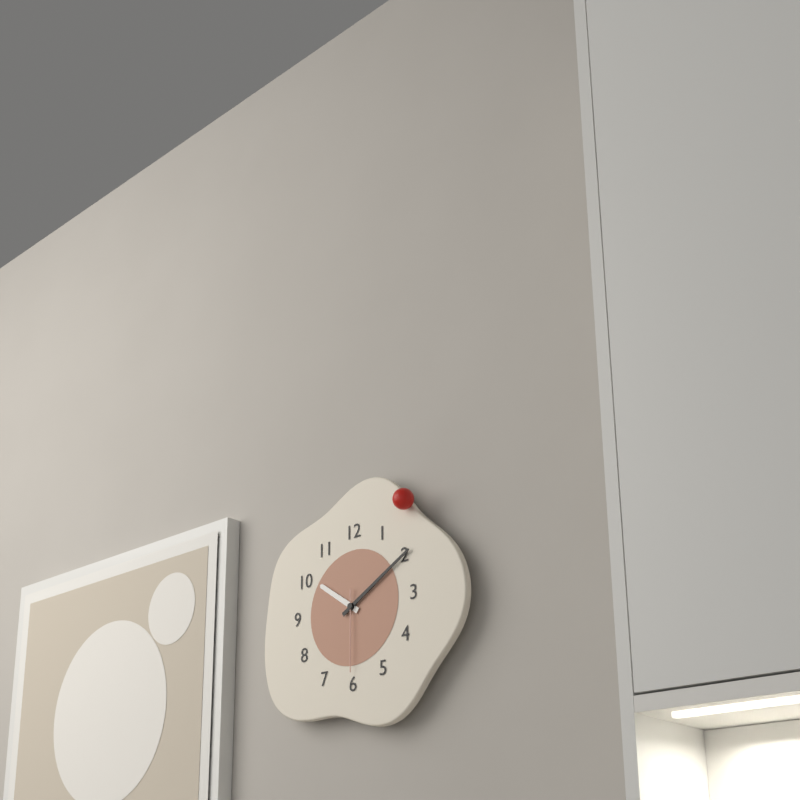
h=10 m=10 s=30
